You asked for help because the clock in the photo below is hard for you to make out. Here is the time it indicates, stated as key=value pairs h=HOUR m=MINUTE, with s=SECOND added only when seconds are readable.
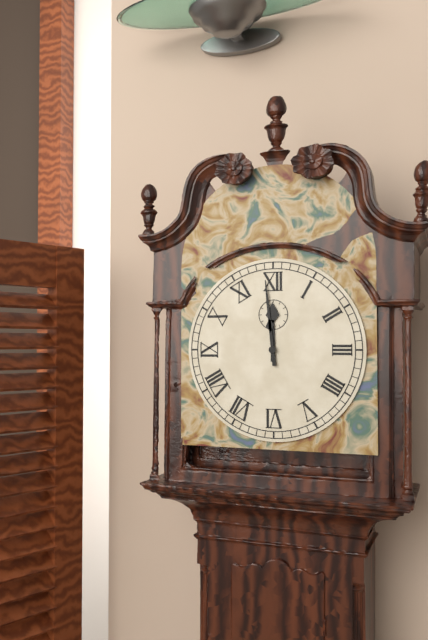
h=11 m=59
